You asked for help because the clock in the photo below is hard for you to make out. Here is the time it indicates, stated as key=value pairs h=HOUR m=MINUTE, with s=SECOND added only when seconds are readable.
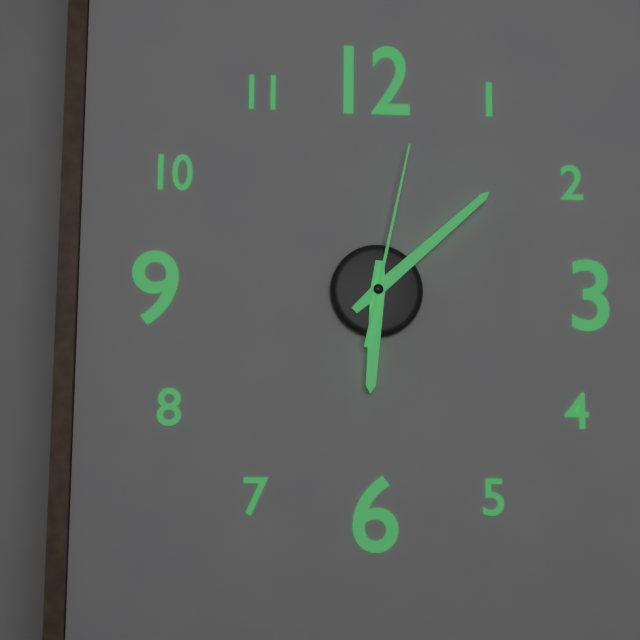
h=6 m=8 s=2
